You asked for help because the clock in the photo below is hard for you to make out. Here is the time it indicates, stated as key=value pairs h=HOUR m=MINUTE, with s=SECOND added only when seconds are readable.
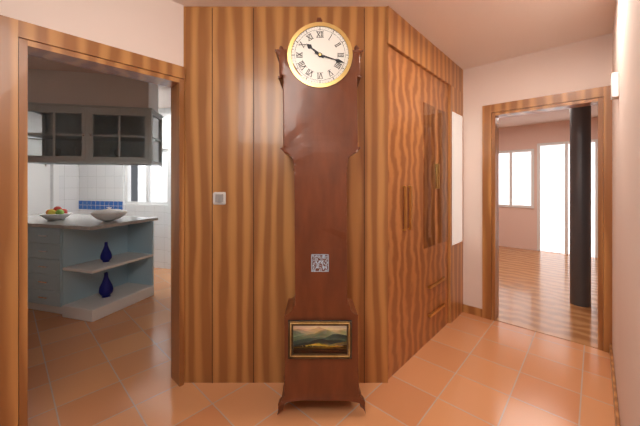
h=10 m=18
